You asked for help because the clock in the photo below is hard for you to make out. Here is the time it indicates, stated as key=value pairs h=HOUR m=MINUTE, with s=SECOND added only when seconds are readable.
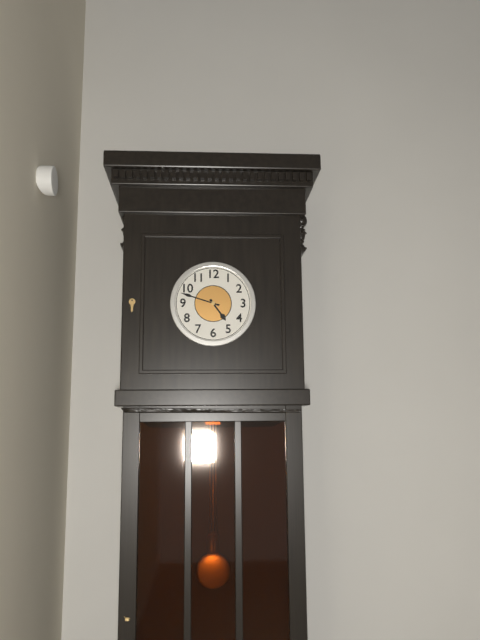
h=4 m=48
